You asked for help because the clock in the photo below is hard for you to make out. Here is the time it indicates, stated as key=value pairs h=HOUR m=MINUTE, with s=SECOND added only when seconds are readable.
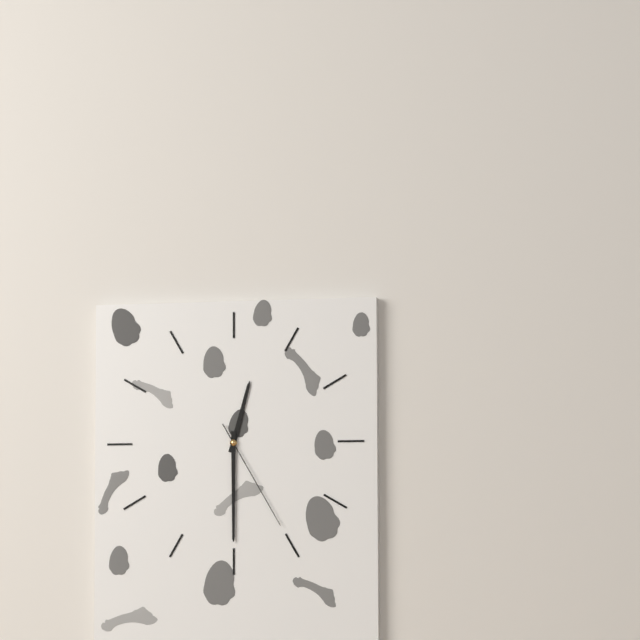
h=12 m=30 s=25
